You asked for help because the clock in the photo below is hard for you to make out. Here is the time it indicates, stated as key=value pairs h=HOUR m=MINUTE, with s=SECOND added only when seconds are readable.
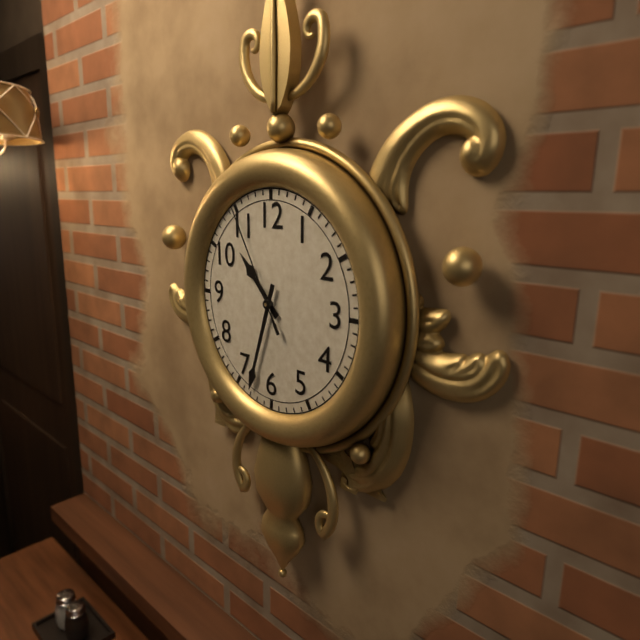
h=10 m=33 s=55
